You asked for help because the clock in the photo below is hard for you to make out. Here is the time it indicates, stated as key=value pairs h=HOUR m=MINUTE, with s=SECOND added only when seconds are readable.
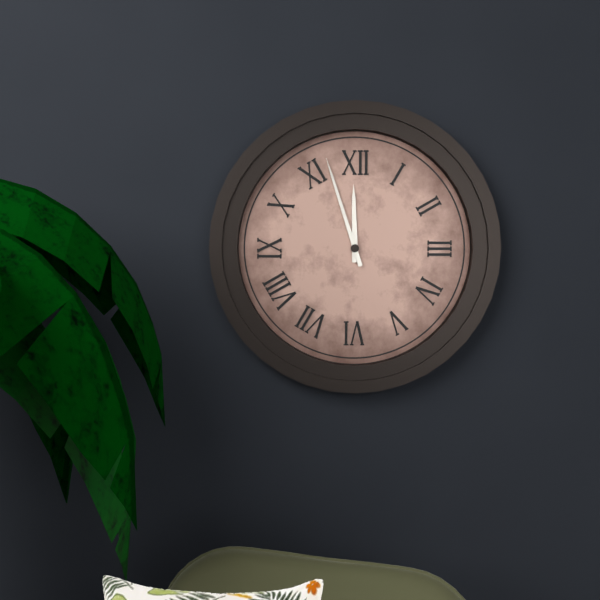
h=11 m=57
